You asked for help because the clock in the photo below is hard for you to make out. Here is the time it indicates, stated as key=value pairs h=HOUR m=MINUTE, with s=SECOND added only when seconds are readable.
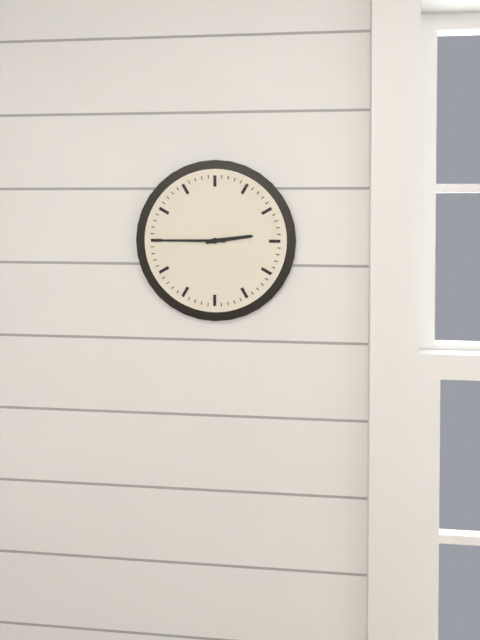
h=2 m=45
